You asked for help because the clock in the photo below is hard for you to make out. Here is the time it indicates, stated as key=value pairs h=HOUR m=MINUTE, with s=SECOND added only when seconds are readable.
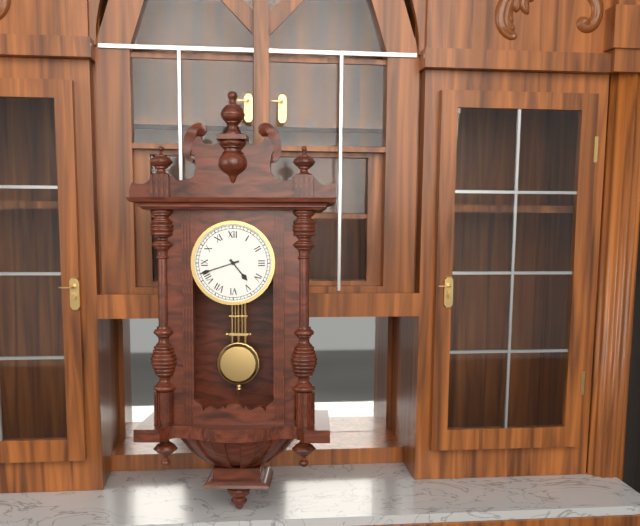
h=4 m=42
